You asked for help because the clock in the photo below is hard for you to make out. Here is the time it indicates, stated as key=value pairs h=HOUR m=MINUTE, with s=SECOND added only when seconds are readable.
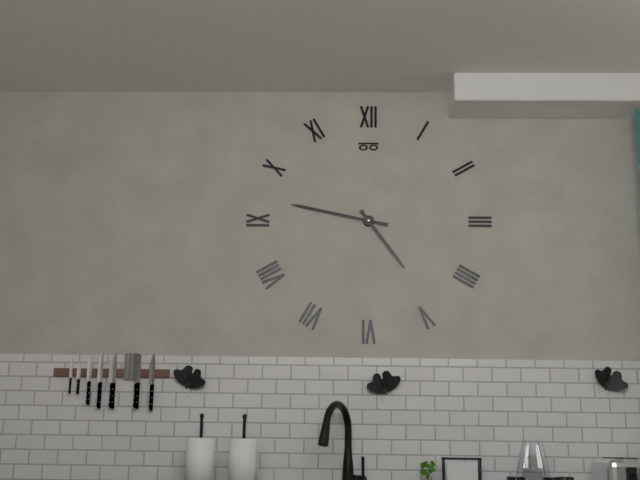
h=4 m=47
